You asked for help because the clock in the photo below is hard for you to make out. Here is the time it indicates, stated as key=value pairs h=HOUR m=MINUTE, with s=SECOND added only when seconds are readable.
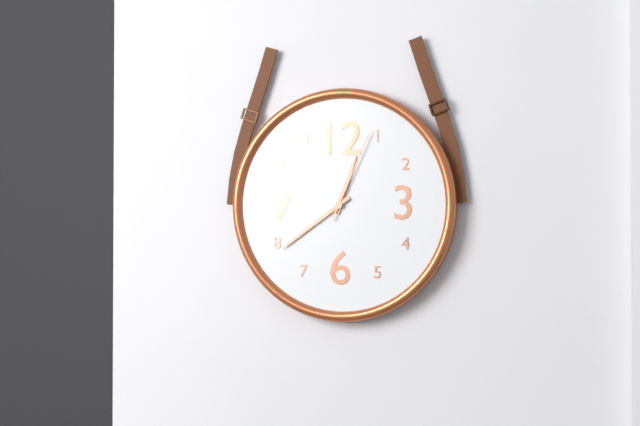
h=12 m=39 s=4
